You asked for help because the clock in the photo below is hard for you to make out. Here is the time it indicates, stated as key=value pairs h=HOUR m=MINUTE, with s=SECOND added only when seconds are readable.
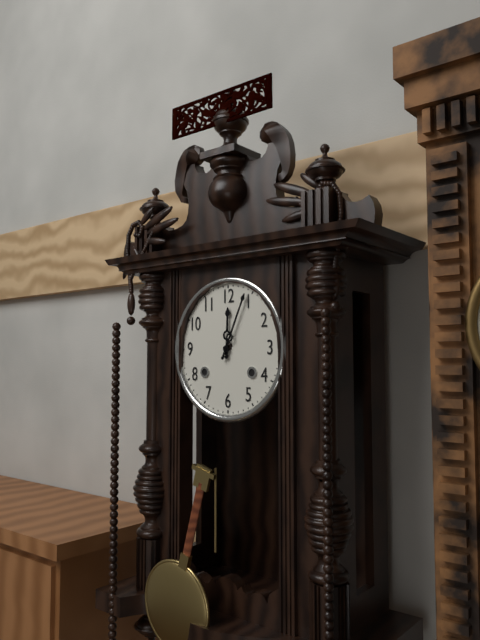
h=12 m=4
